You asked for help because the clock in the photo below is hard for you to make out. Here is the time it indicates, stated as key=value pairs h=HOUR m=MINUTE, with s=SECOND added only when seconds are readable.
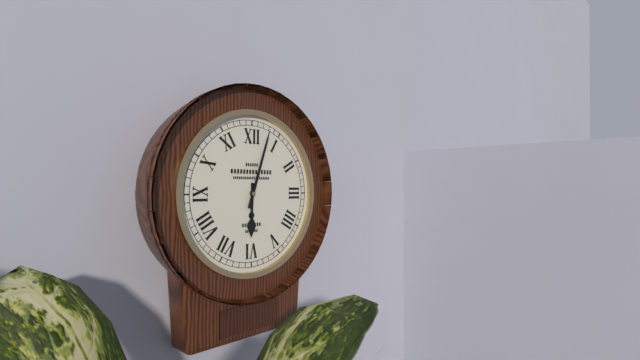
h=6 m=3
